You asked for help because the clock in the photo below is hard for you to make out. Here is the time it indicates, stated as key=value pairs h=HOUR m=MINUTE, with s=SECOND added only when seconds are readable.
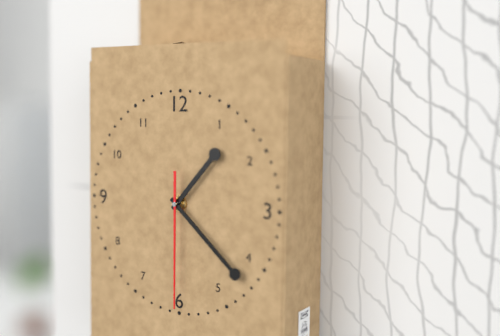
h=1 m=22 s=30
